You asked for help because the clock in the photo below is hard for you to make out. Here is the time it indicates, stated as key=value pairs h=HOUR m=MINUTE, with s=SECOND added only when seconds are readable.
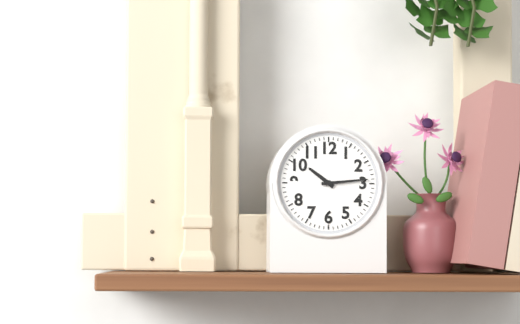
h=10 m=14
